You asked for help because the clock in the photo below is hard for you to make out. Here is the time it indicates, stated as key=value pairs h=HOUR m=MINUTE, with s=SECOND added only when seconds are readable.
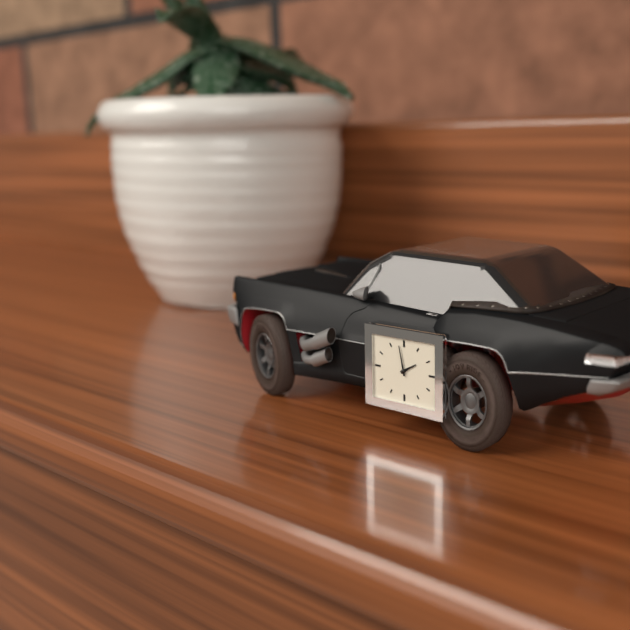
h=1 m=58
